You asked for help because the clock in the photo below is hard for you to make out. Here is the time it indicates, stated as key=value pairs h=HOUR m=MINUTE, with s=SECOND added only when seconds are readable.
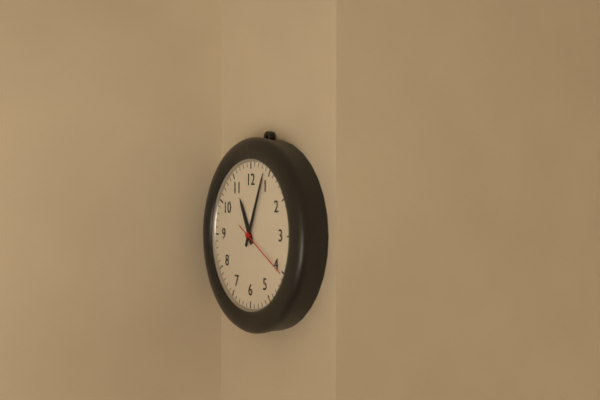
h=11 m=4 s=20
